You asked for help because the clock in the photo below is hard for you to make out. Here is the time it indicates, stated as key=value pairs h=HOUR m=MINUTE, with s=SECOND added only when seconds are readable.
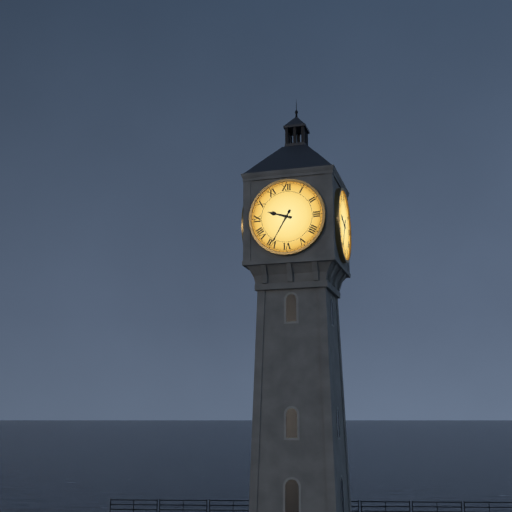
h=9 m=35
